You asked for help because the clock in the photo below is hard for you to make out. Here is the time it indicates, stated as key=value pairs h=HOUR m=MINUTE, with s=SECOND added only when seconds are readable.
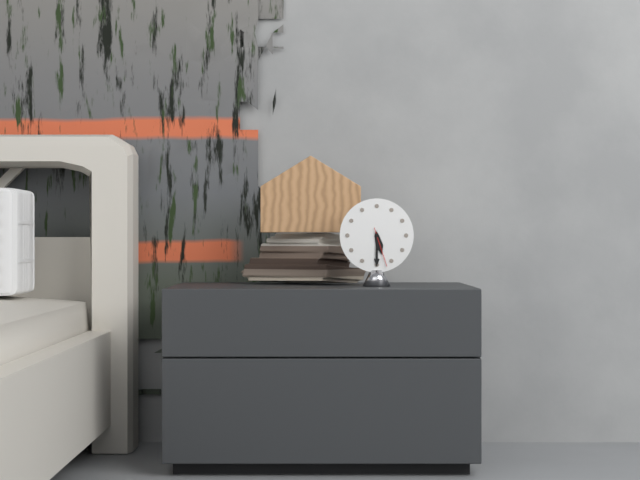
h=5 m=30
